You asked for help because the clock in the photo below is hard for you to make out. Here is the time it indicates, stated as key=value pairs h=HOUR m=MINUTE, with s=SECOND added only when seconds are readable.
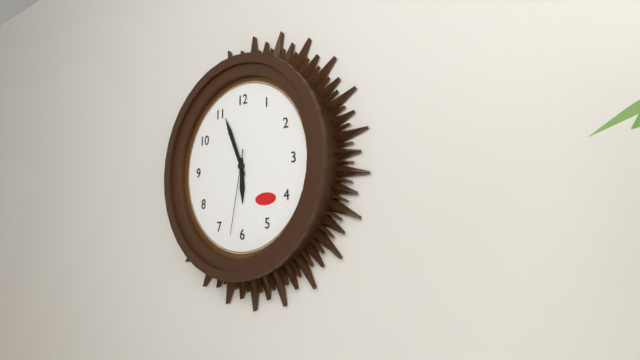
h=5 m=56 s=32
